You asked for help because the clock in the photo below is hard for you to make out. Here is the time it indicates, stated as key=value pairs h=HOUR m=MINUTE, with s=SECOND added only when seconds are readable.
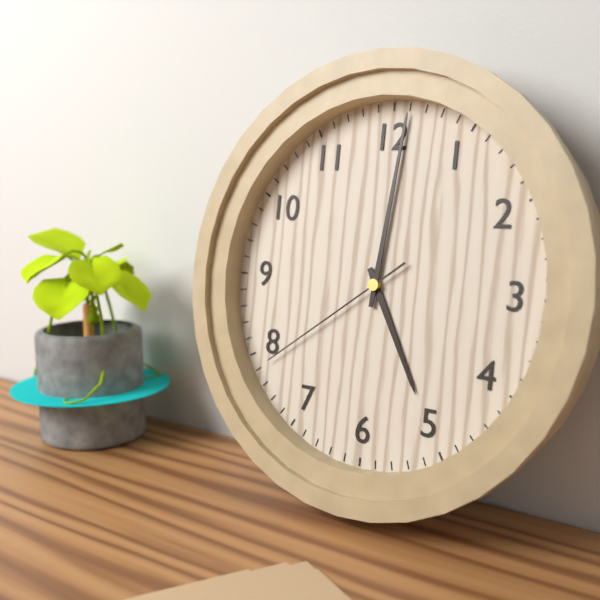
h=5 m=1 s=39
